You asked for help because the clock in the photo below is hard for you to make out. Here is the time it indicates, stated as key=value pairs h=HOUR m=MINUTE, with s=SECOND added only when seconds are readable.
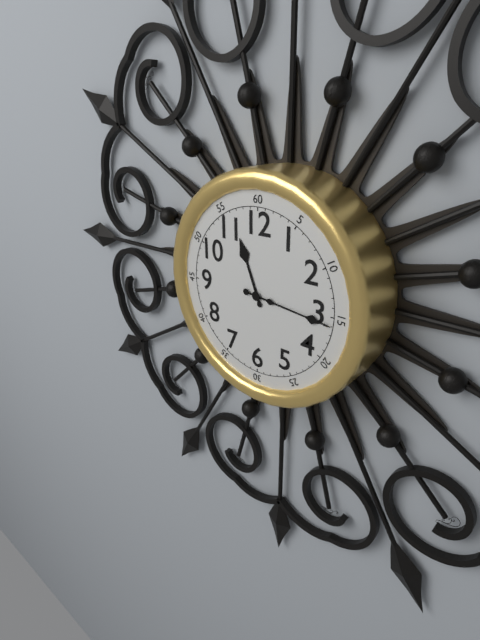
h=11 m=16
